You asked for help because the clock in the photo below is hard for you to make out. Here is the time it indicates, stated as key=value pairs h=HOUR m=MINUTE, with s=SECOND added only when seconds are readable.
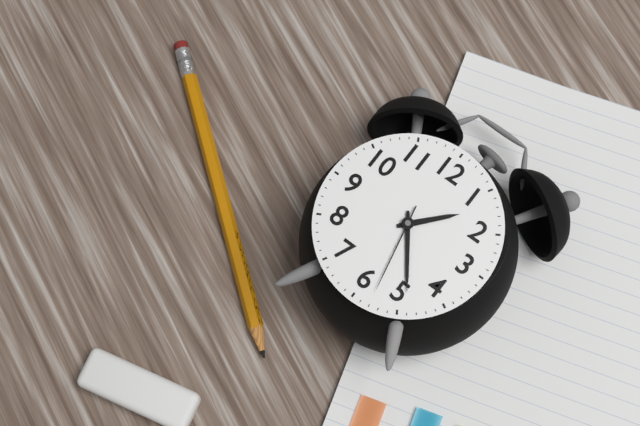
h=1 m=24 s=28
